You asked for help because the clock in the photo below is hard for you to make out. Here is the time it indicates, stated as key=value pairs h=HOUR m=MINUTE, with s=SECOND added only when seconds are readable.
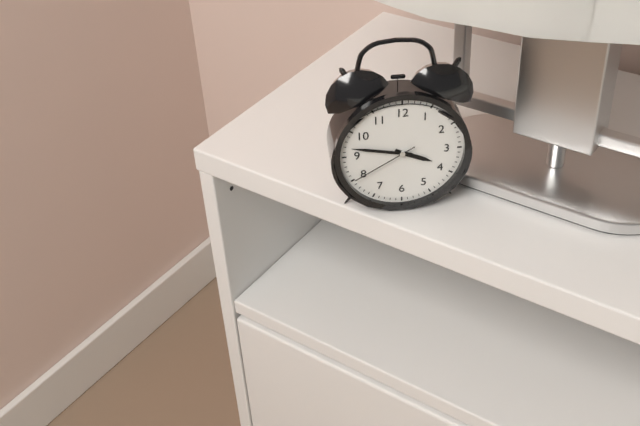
h=3 m=47 s=40
